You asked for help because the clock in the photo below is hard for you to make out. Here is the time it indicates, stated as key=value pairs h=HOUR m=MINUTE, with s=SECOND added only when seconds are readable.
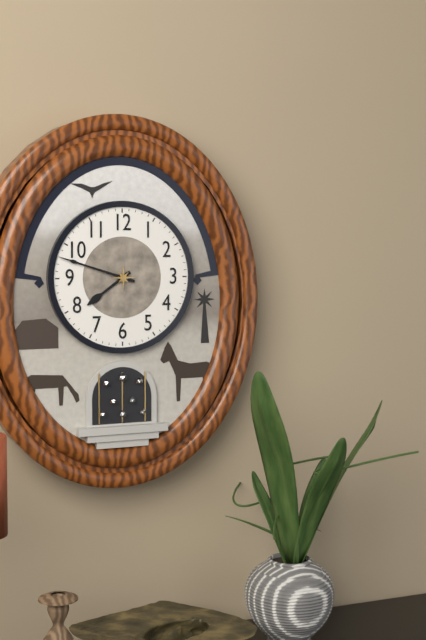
h=7 m=48
